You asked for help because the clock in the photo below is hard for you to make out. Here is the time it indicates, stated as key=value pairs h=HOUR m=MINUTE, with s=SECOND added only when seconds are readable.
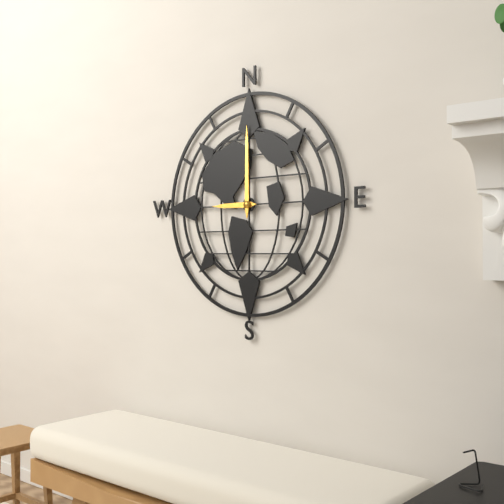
h=9 m=0
